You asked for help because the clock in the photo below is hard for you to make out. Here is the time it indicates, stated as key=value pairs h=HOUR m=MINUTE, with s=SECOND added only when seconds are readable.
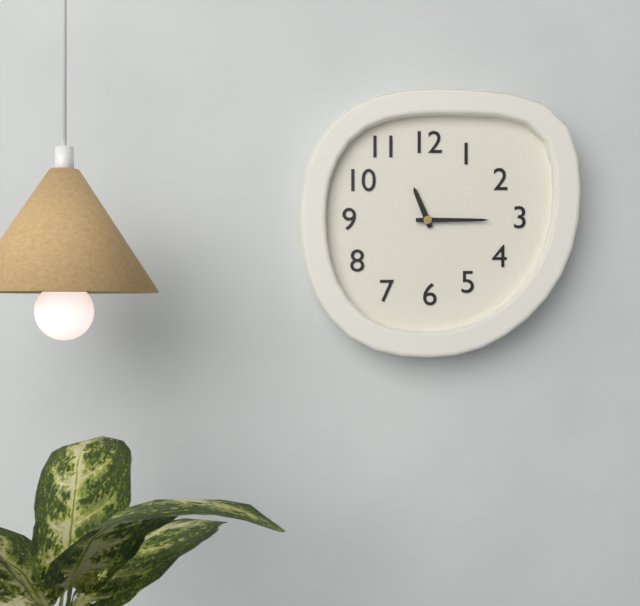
h=11 m=15
